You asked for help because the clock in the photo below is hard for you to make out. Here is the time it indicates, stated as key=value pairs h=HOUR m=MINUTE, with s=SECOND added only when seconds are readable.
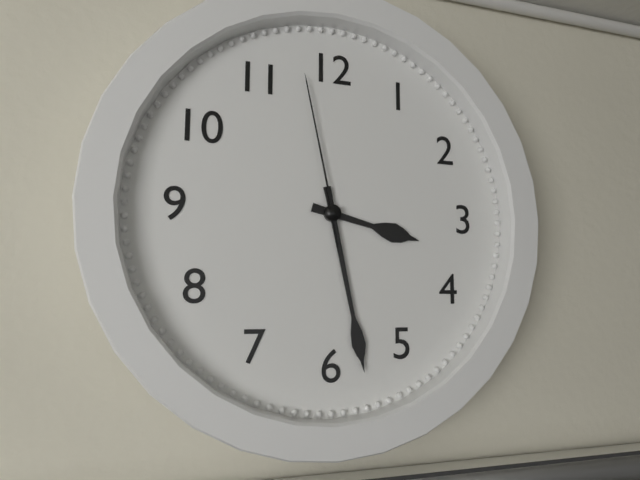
h=3 m=28 s=58
